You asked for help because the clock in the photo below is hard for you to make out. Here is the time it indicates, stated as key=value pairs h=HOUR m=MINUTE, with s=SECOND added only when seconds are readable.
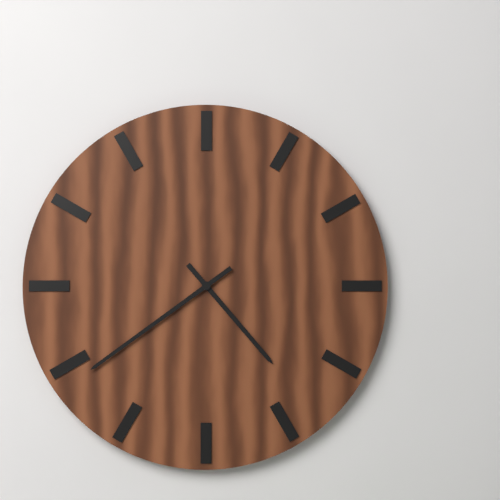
h=4 m=39
